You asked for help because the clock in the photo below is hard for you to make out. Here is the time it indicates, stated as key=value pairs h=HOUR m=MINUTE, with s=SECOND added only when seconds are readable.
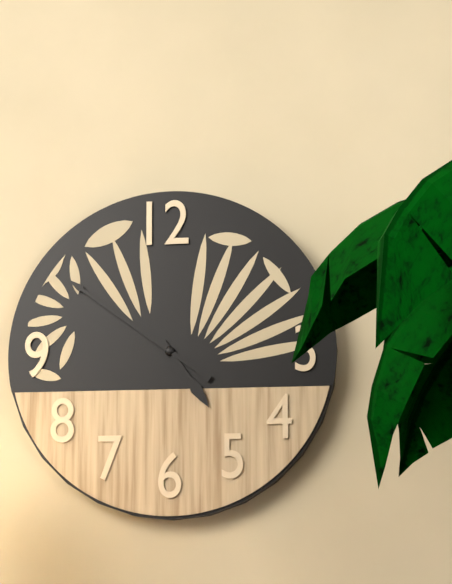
h=4 m=51
